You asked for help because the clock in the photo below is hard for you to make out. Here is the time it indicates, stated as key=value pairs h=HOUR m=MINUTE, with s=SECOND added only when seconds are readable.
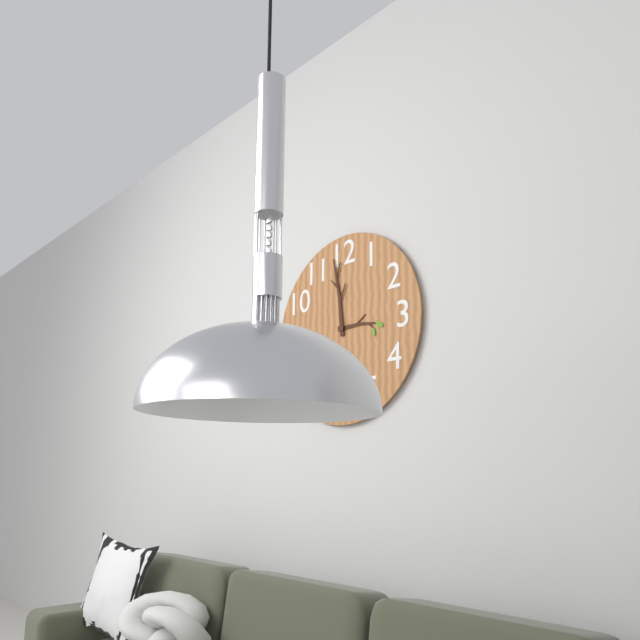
h=2 m=59
